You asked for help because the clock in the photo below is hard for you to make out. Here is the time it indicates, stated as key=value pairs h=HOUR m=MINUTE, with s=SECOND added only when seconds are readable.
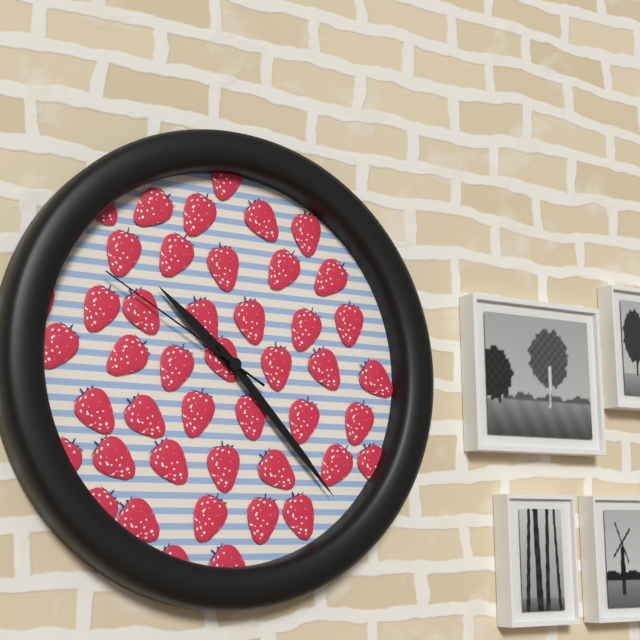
h=10 m=23 s=50
